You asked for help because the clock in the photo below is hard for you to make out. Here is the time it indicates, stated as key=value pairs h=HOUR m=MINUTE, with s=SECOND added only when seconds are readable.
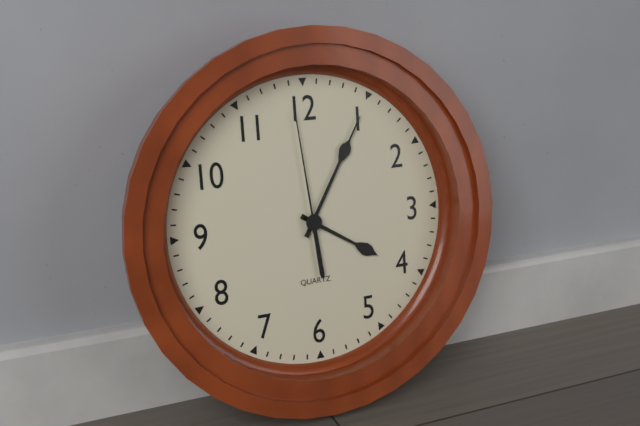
h=4 m=5 s=59
